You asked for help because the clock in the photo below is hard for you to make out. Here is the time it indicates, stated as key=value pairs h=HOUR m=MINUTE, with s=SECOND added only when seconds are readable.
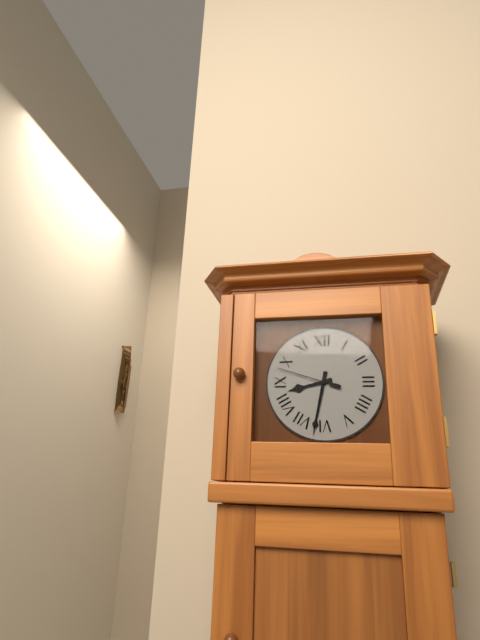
h=8 m=32 s=48
